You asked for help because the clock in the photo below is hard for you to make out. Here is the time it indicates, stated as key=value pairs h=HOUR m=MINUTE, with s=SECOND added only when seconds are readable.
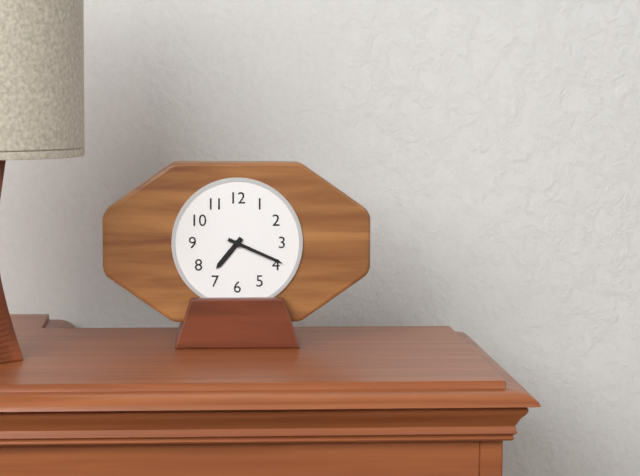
h=7 m=19
